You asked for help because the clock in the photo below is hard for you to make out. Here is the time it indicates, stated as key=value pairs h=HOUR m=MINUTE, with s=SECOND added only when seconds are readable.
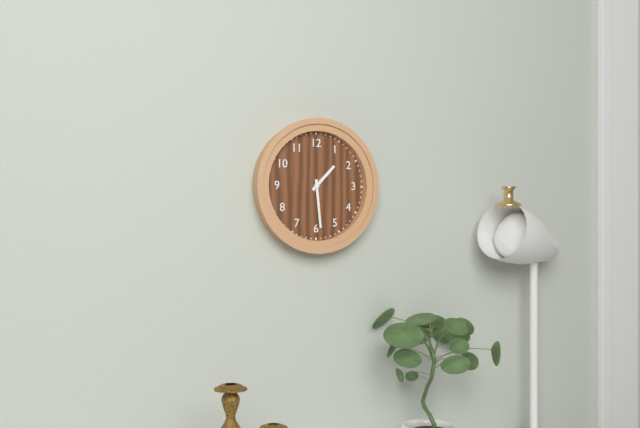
h=1 m=29
